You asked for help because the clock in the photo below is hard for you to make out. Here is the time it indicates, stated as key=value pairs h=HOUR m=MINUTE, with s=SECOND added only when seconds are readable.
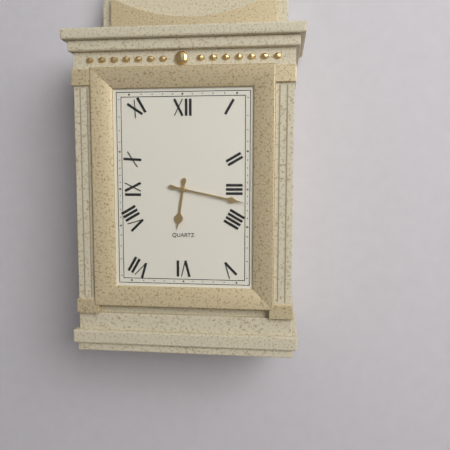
h=6 m=17
